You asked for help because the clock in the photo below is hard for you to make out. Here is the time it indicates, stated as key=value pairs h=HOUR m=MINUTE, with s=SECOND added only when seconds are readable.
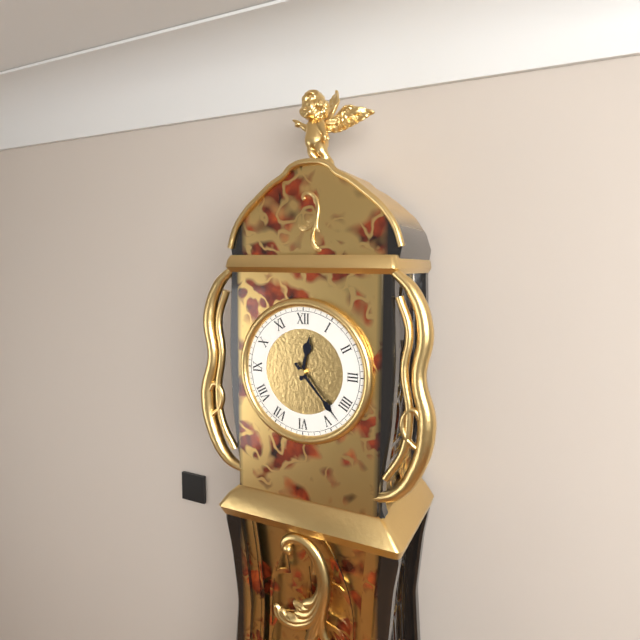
h=12 m=23
